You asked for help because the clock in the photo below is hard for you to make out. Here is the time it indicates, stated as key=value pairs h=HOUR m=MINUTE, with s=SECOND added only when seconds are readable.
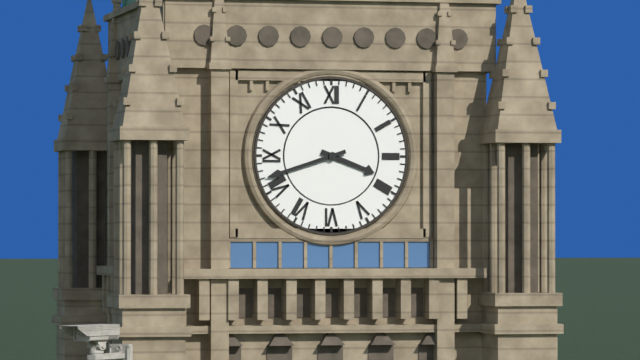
h=3 m=42
